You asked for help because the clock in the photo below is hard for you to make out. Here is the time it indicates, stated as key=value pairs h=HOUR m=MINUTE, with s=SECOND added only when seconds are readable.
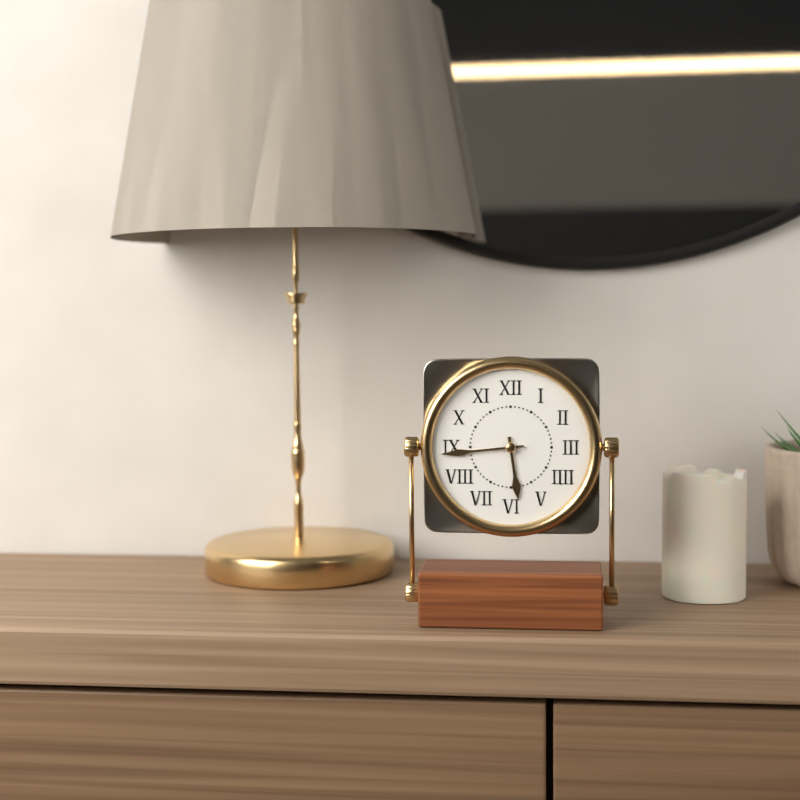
h=5 m=44
